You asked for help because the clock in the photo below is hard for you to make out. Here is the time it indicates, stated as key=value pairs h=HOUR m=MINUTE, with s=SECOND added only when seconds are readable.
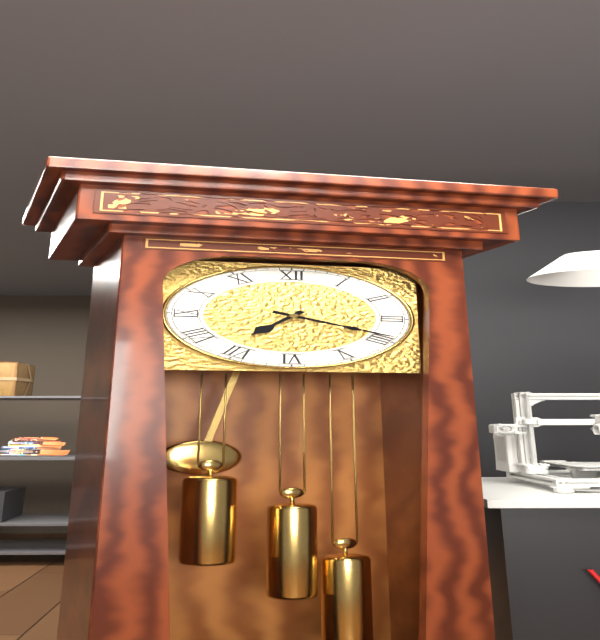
h=7 m=19
